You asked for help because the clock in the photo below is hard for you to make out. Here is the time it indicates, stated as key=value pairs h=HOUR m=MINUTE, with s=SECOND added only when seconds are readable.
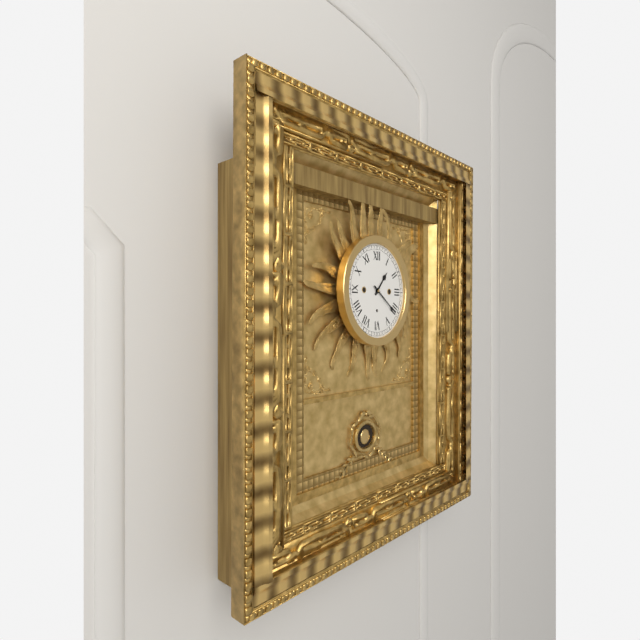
h=1 m=21
